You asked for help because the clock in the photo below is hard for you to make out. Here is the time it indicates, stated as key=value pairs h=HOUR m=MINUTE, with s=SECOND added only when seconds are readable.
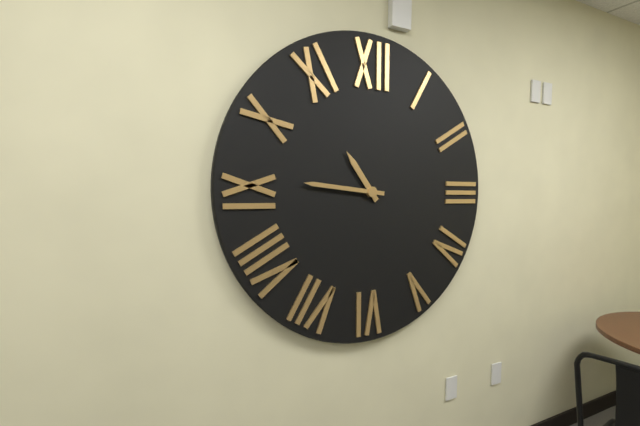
h=10 m=46
